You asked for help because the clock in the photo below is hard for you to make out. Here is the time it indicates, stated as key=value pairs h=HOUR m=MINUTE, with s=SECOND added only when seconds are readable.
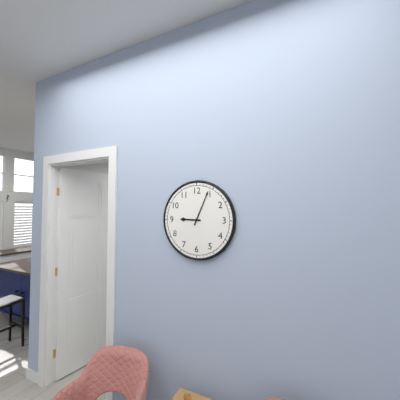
h=9 m=4
